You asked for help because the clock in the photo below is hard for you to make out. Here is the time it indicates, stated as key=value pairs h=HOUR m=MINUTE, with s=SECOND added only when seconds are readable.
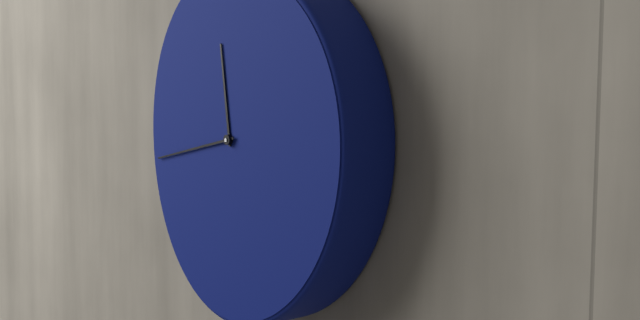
h=11 m=43
